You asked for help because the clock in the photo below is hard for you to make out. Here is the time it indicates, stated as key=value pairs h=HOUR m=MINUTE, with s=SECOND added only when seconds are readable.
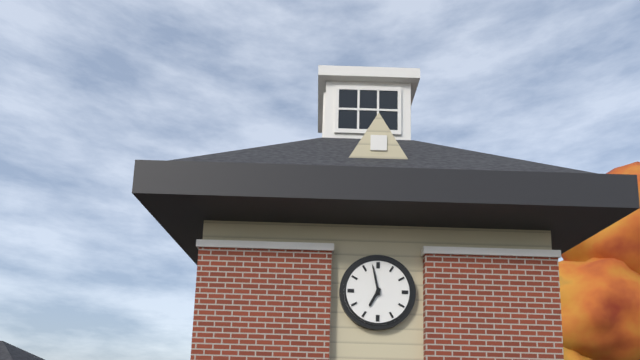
h=6 m=58
